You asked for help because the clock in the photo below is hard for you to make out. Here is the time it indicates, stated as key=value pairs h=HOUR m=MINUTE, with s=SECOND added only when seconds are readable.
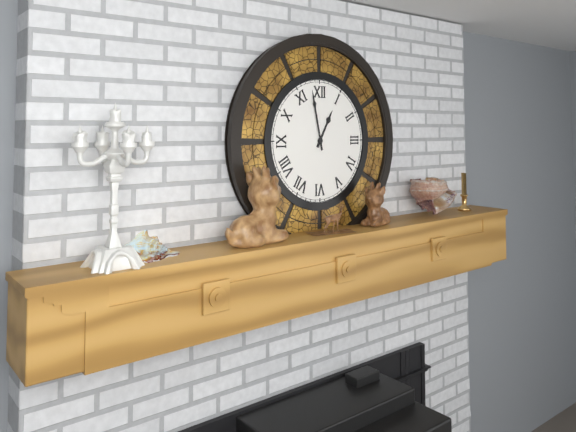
h=12 m=58
